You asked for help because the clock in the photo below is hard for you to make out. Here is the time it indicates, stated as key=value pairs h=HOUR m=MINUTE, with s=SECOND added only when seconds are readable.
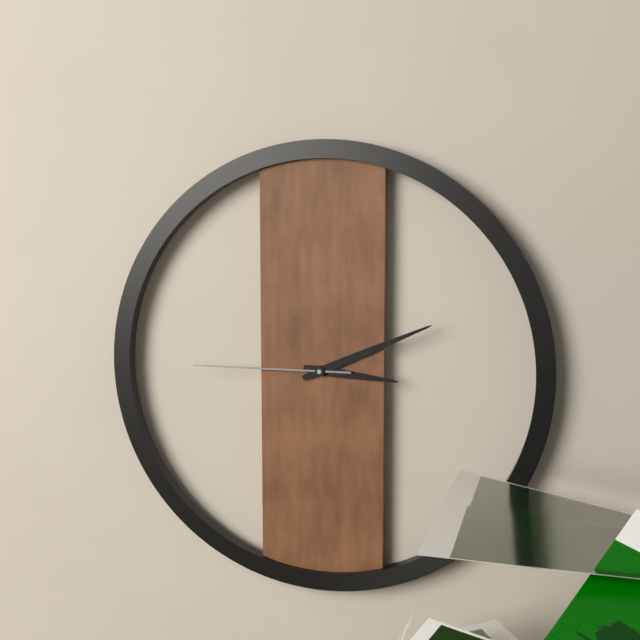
h=3 m=11 s=45
